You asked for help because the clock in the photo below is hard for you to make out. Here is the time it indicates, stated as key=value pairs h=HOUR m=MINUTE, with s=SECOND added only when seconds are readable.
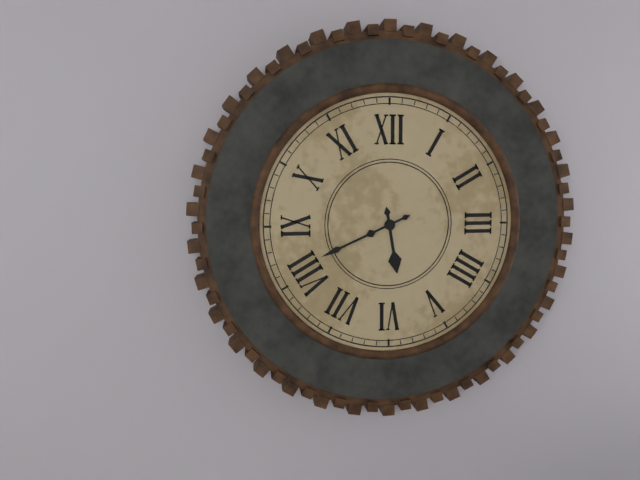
h=5 m=41
